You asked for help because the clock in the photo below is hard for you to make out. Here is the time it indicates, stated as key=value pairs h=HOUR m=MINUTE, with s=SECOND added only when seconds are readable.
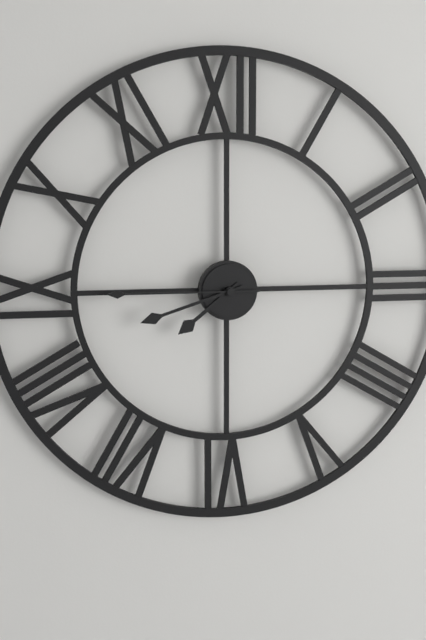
h=7 m=42 s=45
